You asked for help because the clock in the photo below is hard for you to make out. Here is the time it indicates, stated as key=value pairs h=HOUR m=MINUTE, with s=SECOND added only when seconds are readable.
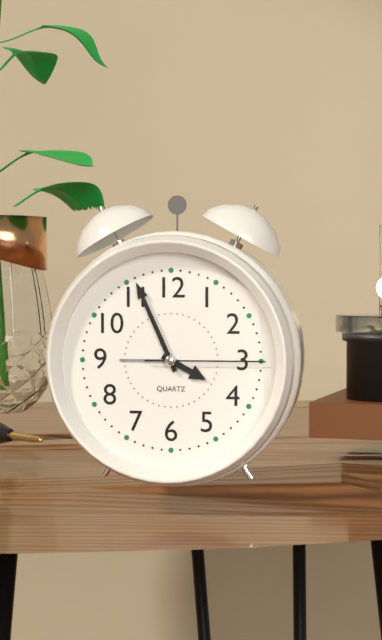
h=3 m=56 s=15
